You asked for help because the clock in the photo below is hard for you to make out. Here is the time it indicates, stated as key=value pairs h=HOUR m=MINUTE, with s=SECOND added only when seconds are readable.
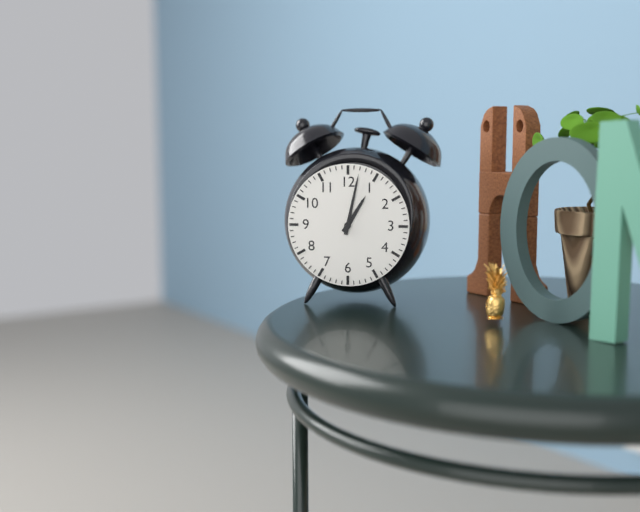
h=1 m=2
